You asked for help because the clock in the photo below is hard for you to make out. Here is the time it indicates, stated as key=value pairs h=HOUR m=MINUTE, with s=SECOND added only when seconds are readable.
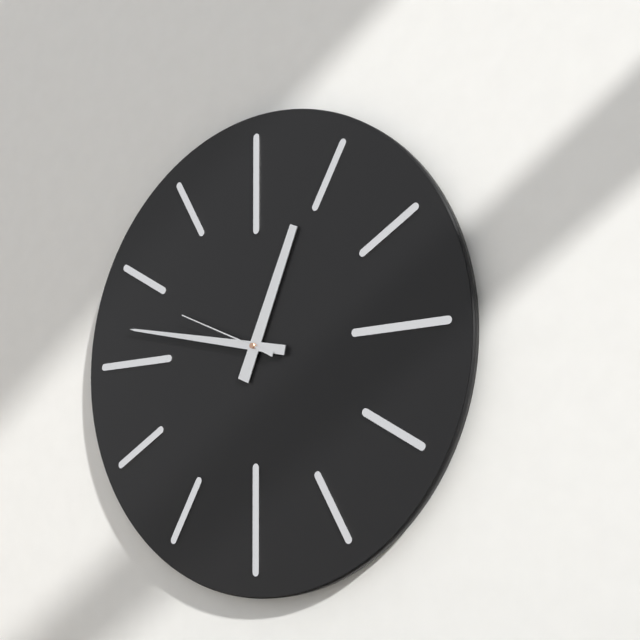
h=12 m=47 s=49
